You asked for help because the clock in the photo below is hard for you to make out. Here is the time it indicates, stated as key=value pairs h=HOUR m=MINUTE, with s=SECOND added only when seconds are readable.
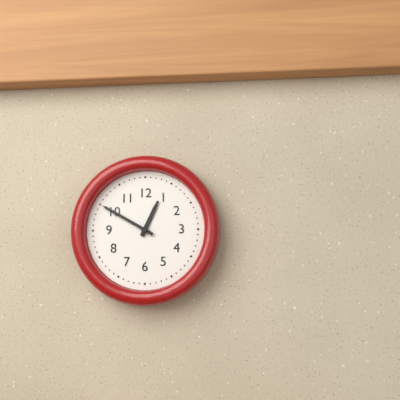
h=12 m=50
